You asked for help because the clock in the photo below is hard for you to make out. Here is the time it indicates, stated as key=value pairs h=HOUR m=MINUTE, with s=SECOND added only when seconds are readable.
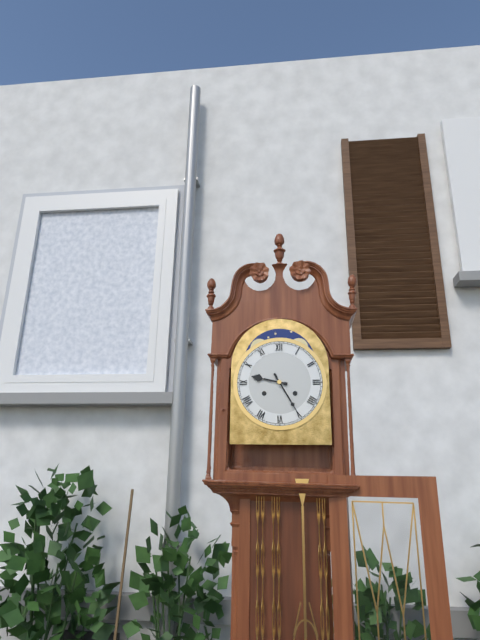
h=9 m=25
